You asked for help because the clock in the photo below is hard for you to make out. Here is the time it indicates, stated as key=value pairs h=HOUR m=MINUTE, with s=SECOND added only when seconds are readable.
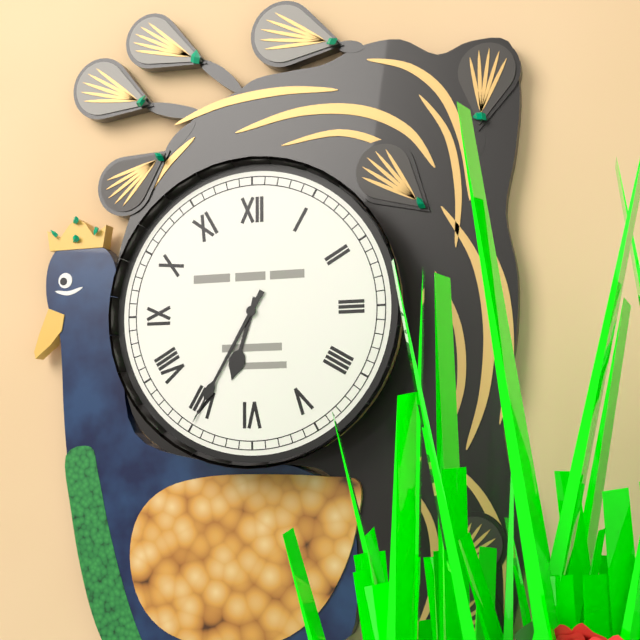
h=6 m=35
